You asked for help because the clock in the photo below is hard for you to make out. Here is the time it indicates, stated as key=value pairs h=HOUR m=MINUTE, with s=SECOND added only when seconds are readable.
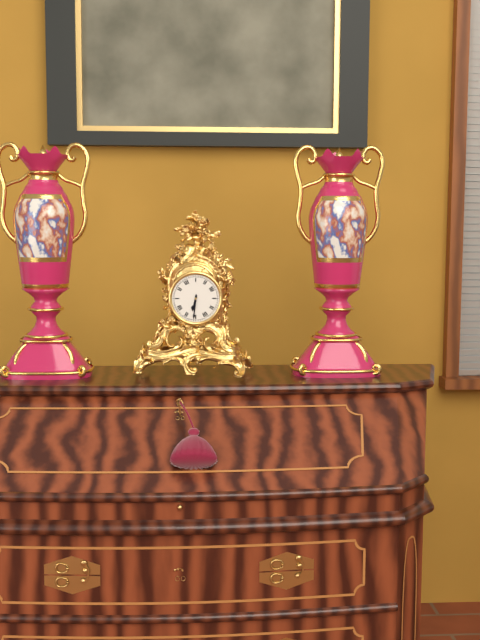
h=6 m=31
